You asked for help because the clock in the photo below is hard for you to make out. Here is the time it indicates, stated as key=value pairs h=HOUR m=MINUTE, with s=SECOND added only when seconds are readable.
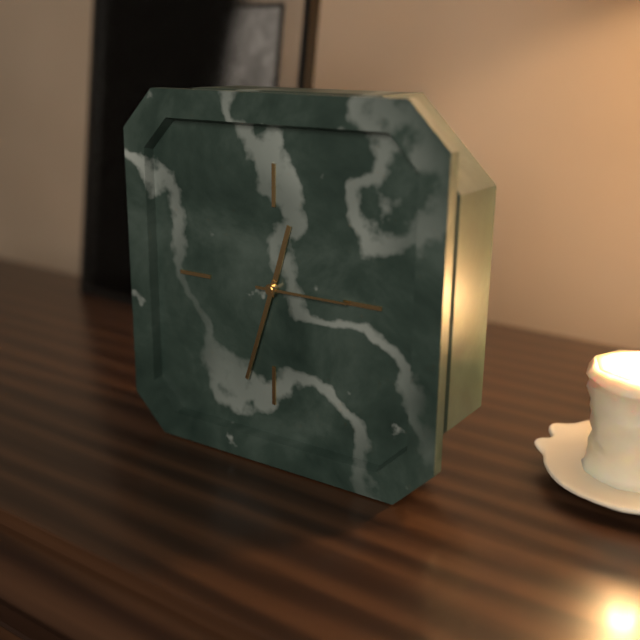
h=12 m=33 s=15
